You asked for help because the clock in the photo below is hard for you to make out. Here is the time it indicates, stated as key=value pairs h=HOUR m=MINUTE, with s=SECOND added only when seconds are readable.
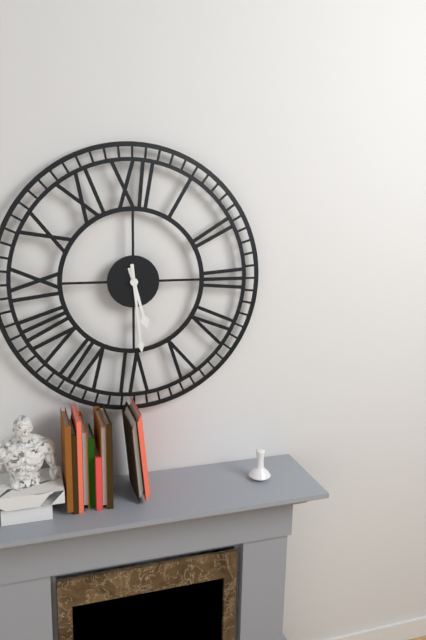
h=5 m=29
